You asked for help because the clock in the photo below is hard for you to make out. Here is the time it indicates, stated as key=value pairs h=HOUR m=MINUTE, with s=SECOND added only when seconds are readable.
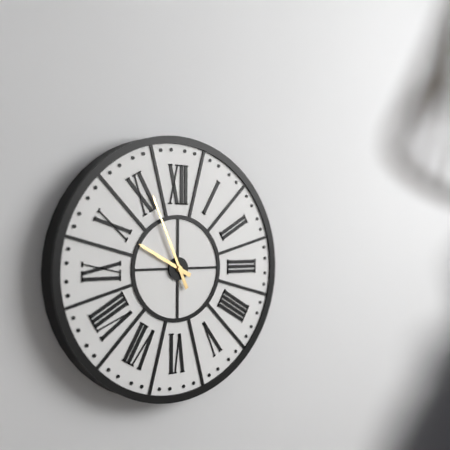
h=9 m=56
